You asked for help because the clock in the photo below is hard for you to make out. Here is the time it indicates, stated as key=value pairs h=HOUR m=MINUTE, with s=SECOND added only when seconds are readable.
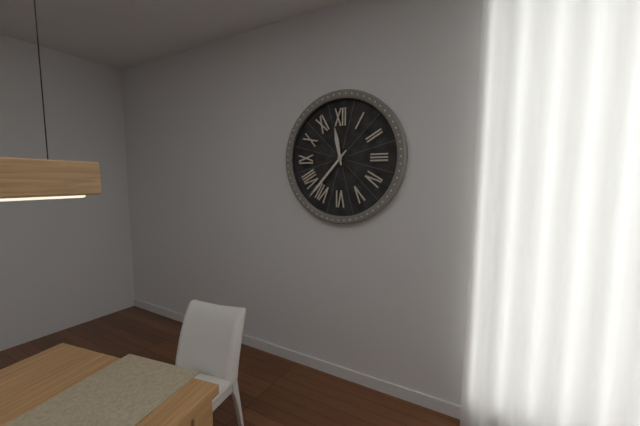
h=11 m=37
